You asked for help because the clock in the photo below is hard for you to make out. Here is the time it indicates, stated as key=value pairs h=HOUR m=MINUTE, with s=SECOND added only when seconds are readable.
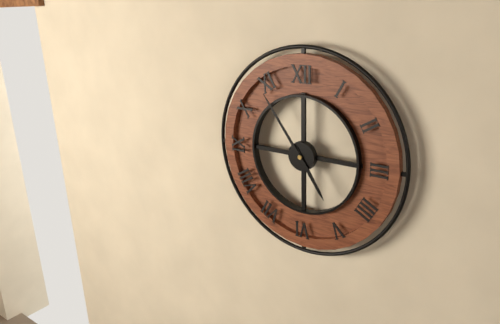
h=4 m=54
